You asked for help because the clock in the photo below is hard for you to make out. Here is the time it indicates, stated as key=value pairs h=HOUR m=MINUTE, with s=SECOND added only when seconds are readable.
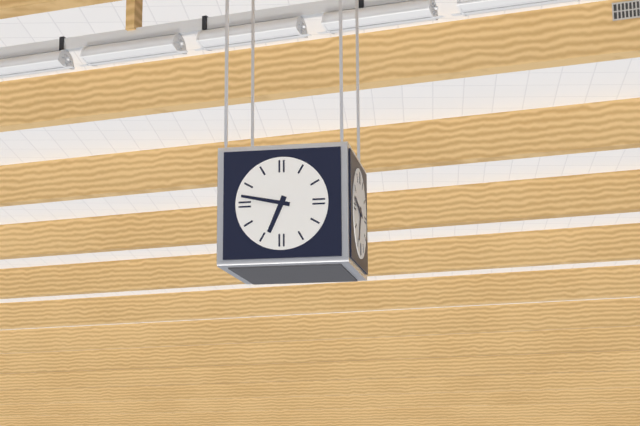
h=6 m=47
